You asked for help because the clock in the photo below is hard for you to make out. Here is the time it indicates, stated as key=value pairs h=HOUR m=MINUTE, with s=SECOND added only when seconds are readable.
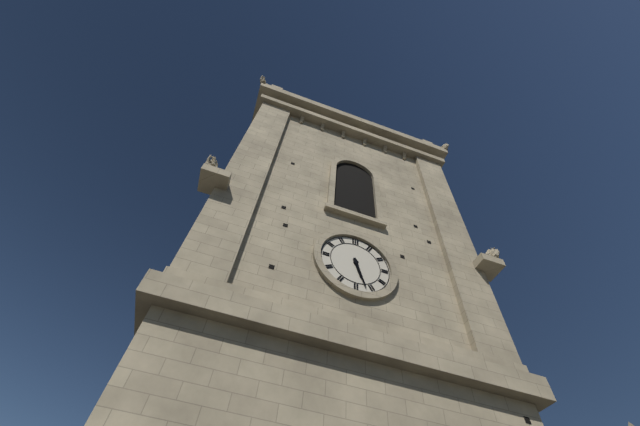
h=5 m=27
